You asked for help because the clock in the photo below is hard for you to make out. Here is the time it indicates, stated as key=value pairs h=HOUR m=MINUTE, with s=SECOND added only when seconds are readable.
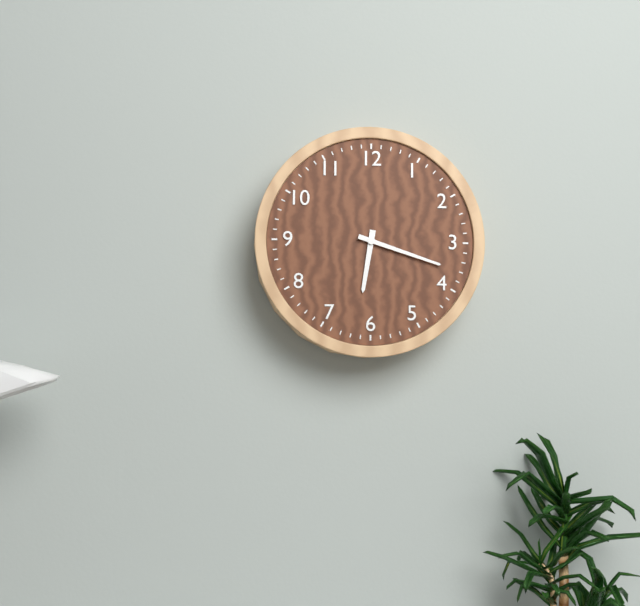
h=6 m=18
